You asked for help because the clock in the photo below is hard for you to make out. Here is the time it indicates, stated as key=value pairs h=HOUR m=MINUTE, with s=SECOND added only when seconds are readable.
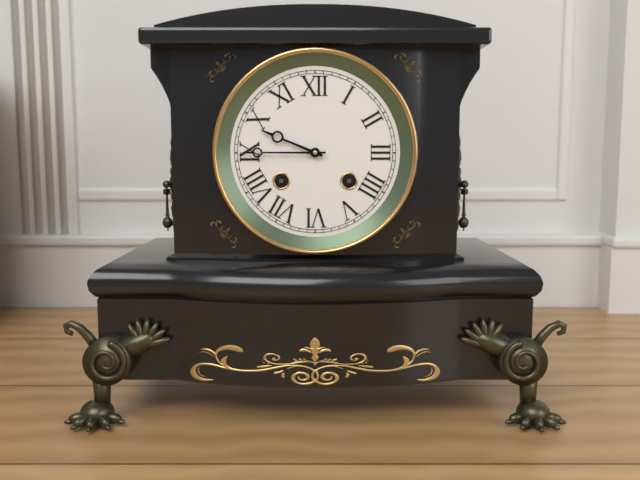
h=9 m=45
